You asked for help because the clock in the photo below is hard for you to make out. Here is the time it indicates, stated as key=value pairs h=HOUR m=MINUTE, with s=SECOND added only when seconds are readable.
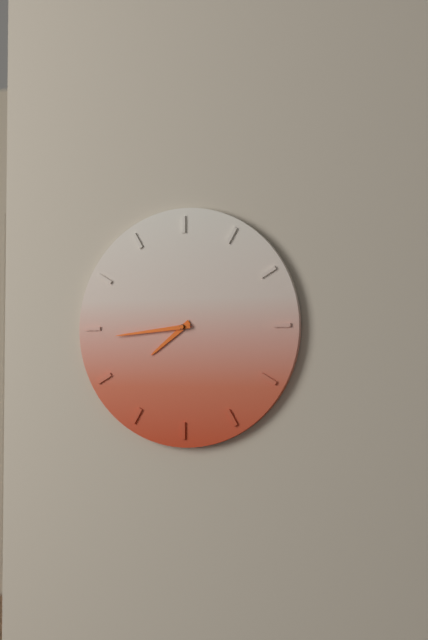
h=7 m=44
